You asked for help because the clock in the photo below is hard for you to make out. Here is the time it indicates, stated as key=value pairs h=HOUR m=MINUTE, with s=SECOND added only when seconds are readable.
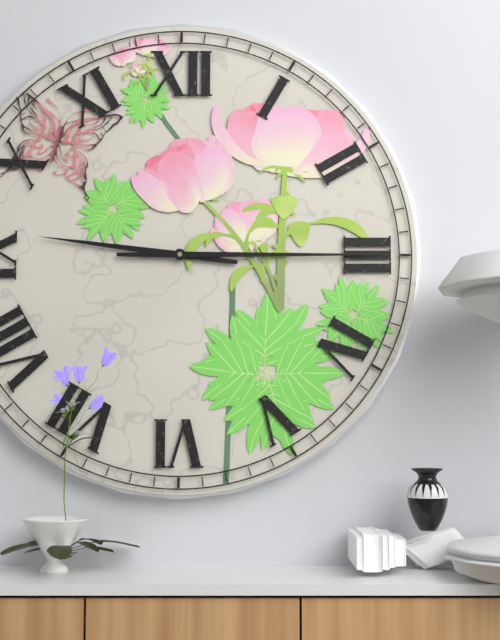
h=9 m=15
